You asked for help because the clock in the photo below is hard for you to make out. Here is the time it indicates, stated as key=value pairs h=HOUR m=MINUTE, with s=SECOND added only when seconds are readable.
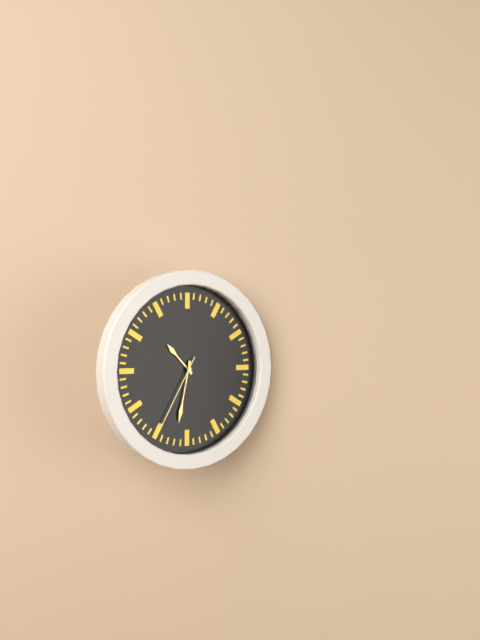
h=10 m=32 s=35
